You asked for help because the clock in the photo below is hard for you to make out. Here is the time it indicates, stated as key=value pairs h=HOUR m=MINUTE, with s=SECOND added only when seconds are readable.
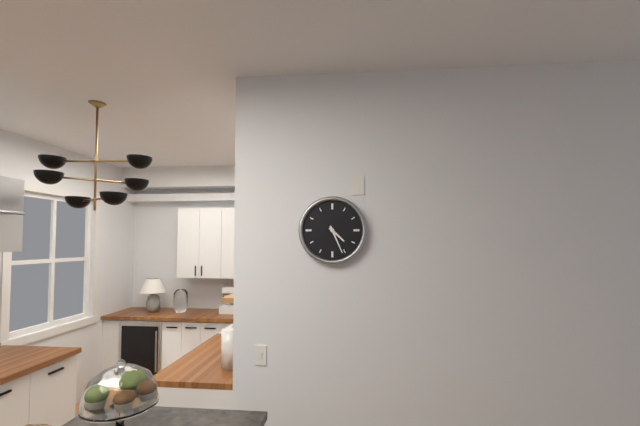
h=4 m=26
